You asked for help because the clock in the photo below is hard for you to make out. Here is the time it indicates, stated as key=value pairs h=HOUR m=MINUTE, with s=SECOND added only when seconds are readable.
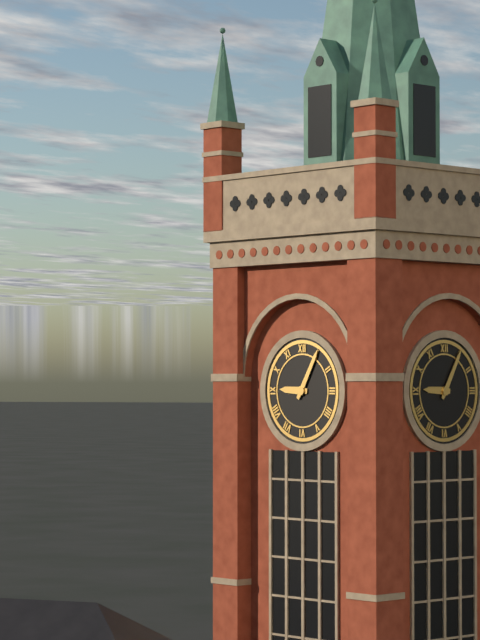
h=9 m=5
